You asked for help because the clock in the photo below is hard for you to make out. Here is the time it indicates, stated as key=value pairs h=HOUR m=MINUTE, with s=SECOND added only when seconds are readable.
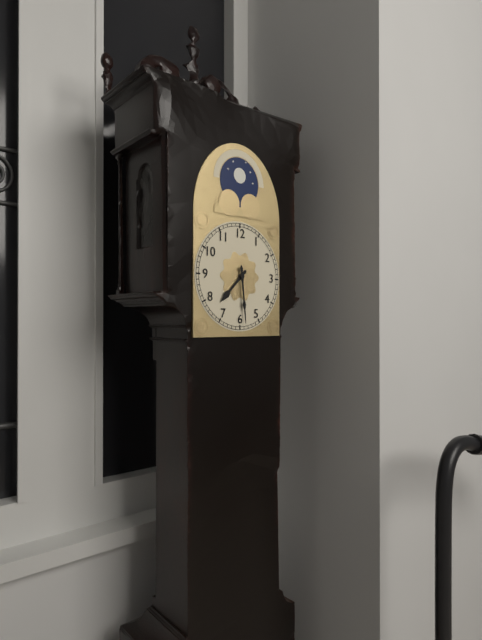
h=7 m=29
